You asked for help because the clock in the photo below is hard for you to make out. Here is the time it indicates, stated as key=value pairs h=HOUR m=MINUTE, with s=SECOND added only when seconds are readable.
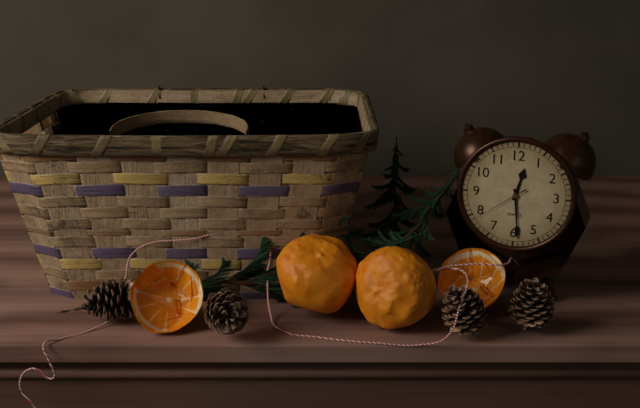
h=12 m=29 s=39
